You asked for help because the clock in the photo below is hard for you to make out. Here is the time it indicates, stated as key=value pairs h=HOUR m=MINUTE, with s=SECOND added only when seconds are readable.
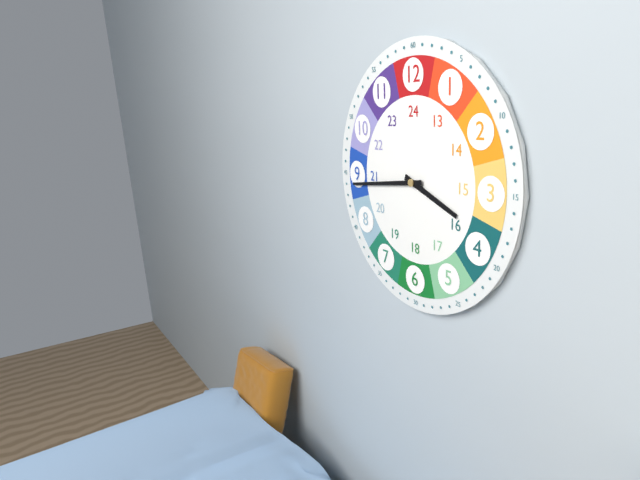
h=3 m=44
